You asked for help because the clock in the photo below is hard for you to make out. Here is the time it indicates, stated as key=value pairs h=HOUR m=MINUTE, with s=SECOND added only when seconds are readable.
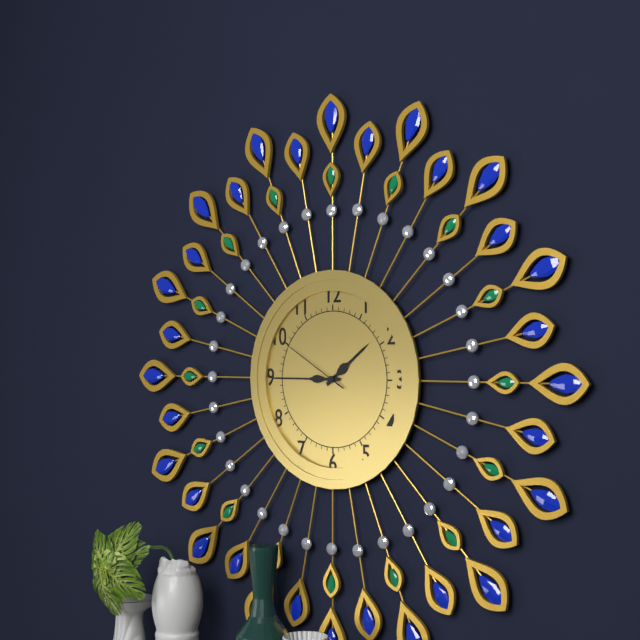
h=1 m=45 s=50
